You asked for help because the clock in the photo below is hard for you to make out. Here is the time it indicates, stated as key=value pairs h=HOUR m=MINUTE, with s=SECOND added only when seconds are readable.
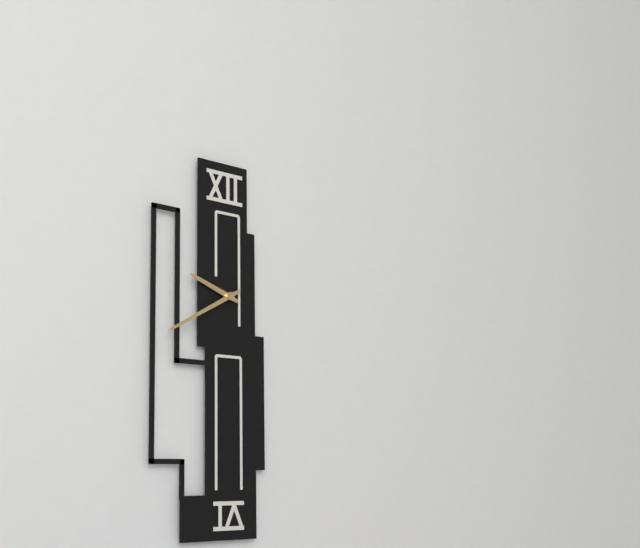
h=9 m=40
